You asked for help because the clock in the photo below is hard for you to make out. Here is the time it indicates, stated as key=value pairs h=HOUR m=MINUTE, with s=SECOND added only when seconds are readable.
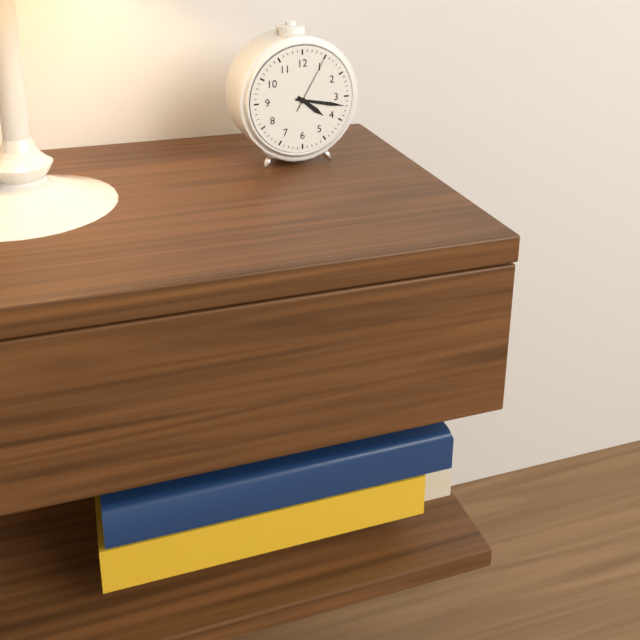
h=4 m=17 s=5
